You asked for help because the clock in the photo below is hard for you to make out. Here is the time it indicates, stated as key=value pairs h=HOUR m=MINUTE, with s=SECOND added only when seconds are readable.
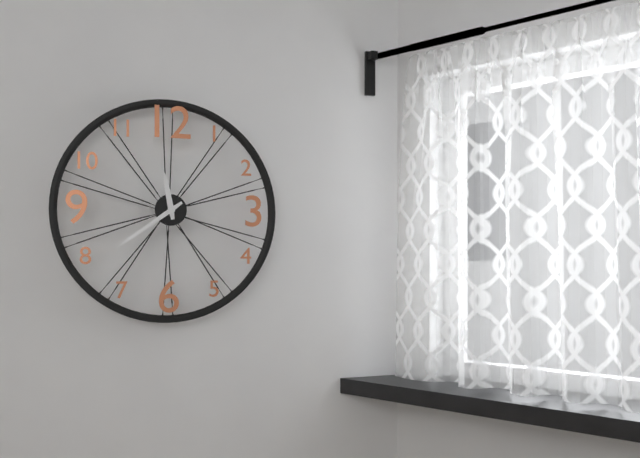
h=11 m=39
